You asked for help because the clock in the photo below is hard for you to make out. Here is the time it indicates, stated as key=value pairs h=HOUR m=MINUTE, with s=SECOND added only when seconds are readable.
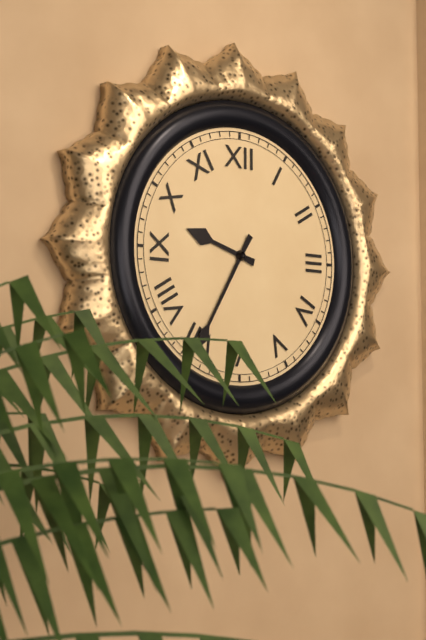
h=9 m=35
